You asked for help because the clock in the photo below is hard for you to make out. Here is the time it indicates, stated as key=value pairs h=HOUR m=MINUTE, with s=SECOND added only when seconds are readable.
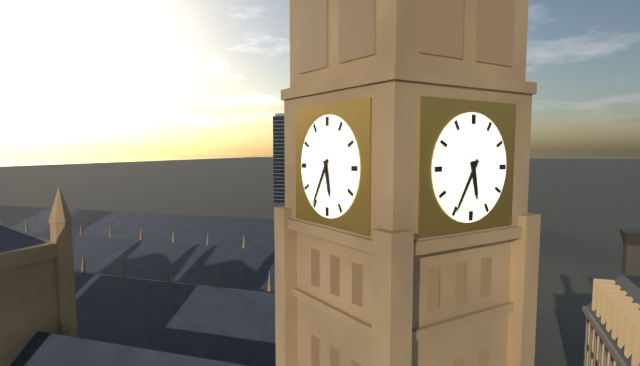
h=5 m=35
